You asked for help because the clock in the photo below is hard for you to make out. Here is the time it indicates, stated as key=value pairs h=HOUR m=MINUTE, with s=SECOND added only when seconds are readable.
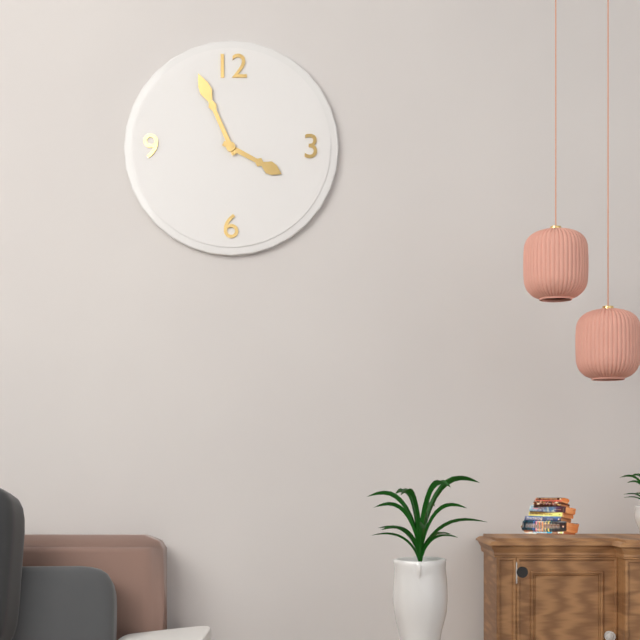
h=3 m=56
